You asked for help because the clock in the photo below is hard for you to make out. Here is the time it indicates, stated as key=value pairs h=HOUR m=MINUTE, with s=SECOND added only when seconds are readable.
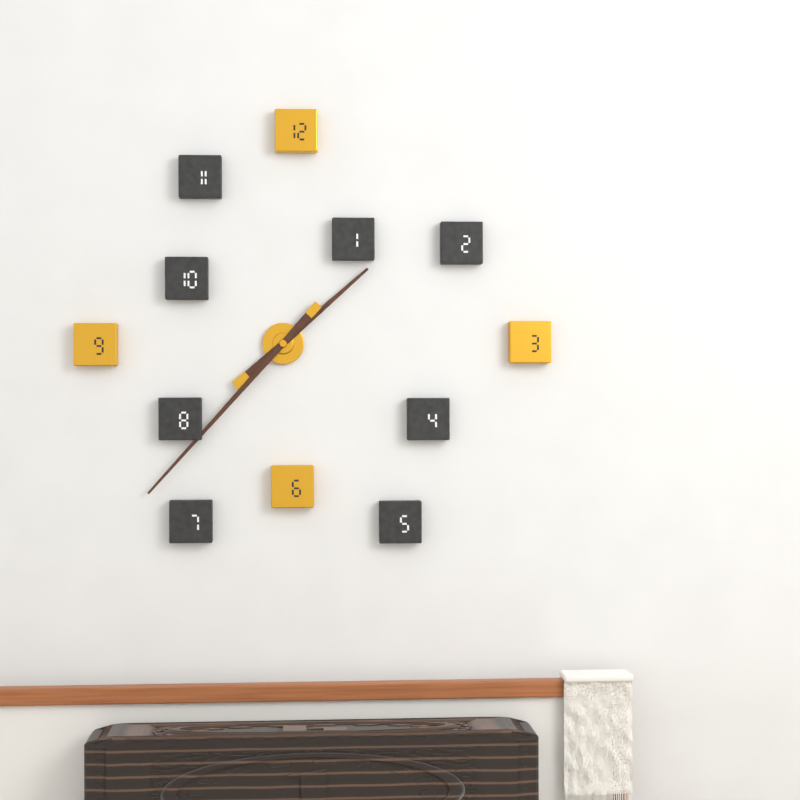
h=1 m=37
